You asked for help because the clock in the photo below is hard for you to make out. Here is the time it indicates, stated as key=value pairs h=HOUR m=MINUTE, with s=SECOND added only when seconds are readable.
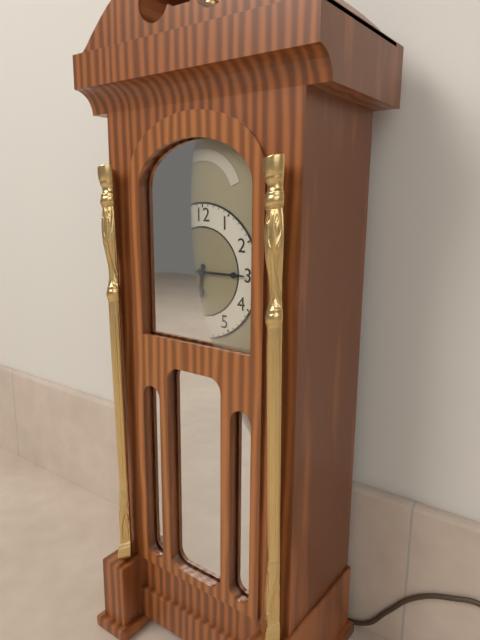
h=6 m=15
